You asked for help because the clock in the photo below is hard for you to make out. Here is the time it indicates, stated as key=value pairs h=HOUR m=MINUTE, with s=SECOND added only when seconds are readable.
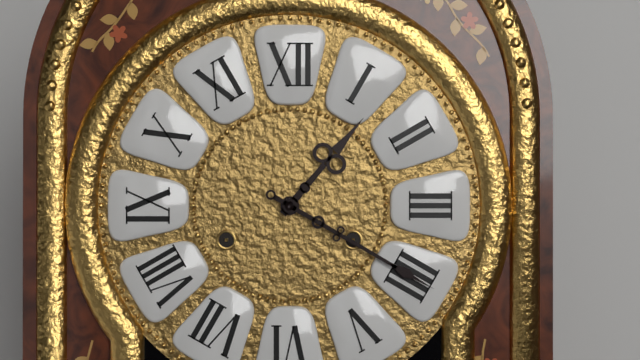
h=1 m=20
